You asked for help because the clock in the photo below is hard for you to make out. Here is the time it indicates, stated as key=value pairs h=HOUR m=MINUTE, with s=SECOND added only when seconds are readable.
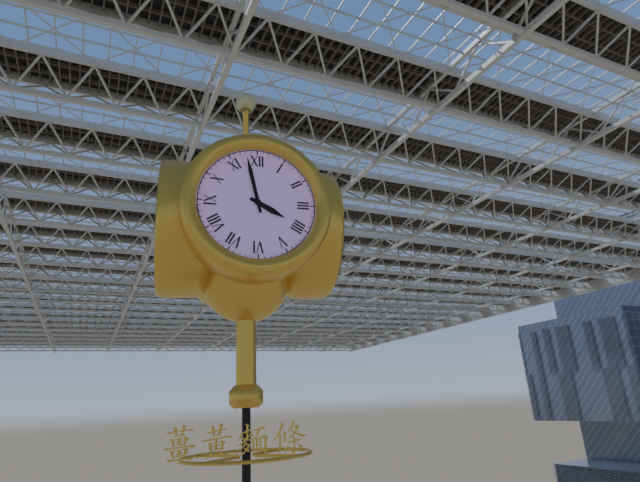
h=3 m=58
